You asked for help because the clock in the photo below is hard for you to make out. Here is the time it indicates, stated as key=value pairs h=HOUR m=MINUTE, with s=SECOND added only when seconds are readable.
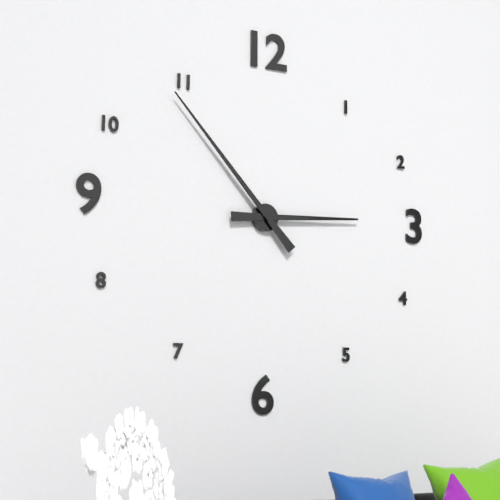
h=2 m=53
